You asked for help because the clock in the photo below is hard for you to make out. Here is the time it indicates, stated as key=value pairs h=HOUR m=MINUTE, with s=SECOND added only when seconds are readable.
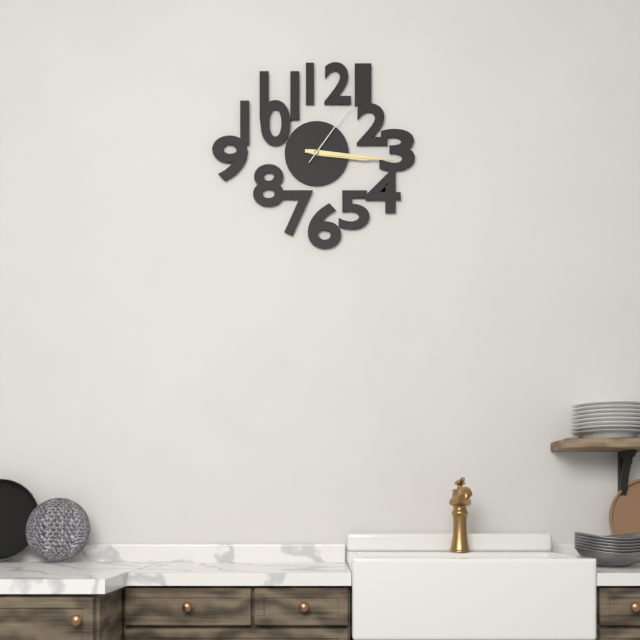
h=3 m=16 s=6
